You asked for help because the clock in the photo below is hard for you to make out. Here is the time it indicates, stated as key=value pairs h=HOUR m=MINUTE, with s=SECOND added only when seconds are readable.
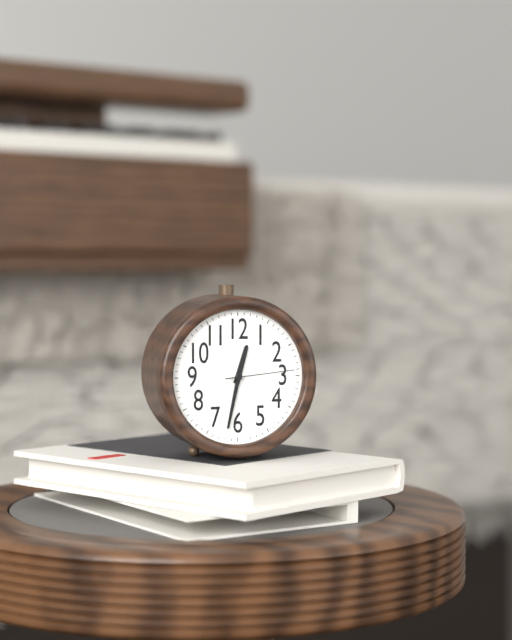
h=12 m=32 s=14
